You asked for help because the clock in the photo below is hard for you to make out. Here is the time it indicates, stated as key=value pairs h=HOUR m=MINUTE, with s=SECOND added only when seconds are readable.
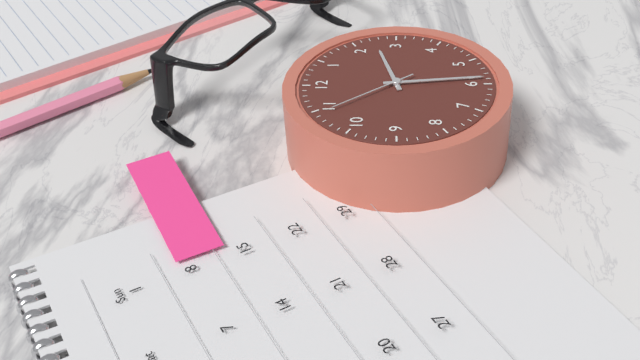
h=2 m=29 s=54
